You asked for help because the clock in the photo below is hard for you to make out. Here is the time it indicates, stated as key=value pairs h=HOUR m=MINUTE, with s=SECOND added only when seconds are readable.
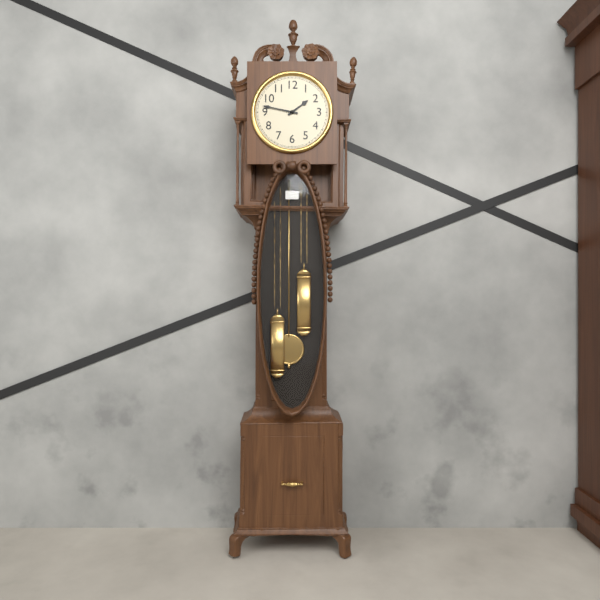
h=1 m=47
